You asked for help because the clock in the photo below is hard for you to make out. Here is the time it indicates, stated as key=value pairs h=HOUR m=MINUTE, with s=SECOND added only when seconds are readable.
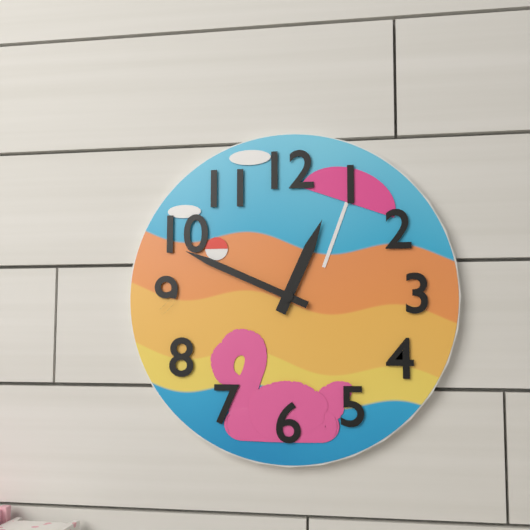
h=12 m=49
